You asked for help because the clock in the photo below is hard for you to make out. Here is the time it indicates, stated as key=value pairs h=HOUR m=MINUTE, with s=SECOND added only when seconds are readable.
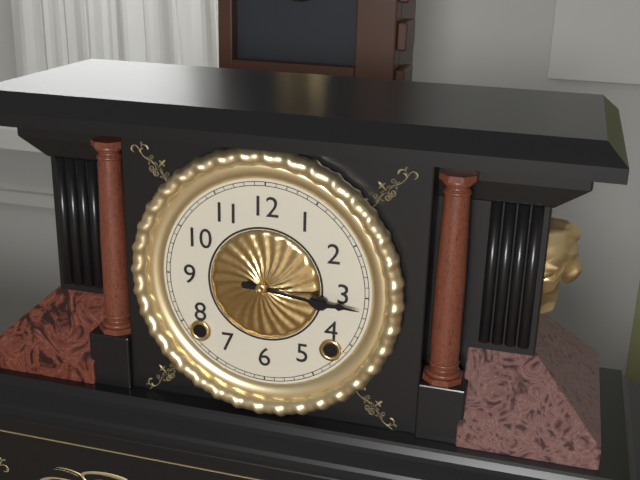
h=3 m=16
